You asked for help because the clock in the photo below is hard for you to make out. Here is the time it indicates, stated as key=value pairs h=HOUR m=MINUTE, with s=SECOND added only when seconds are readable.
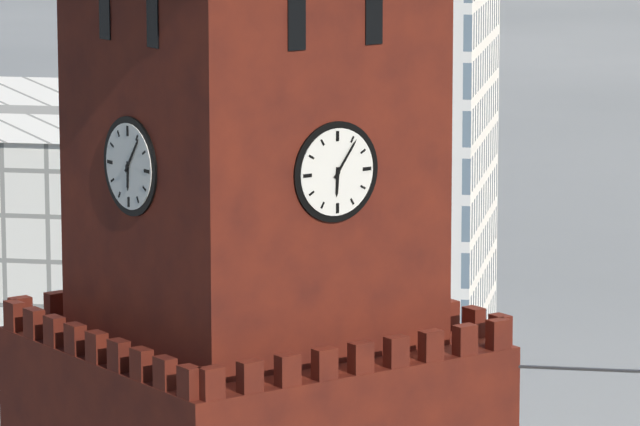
h=6 m=6
